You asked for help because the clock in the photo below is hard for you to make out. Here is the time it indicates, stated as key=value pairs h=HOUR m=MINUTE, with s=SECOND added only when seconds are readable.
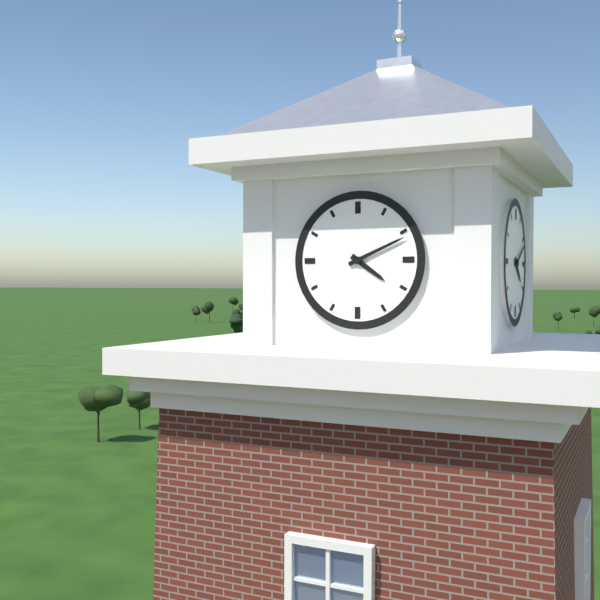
h=4 m=11
